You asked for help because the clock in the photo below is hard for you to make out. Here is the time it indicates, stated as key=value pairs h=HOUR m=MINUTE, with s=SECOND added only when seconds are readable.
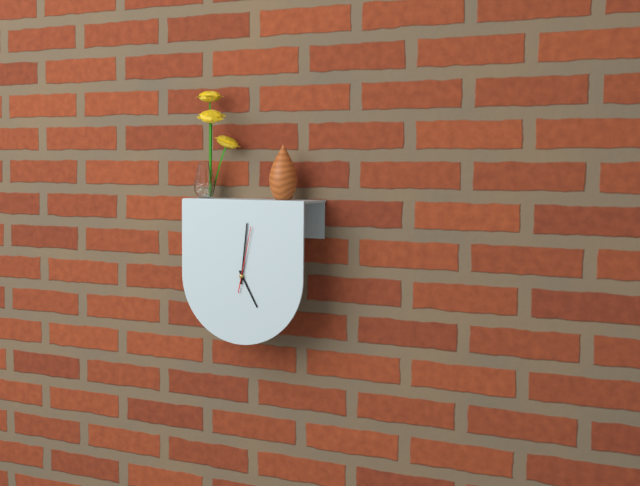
h=5 m=1 s=2
